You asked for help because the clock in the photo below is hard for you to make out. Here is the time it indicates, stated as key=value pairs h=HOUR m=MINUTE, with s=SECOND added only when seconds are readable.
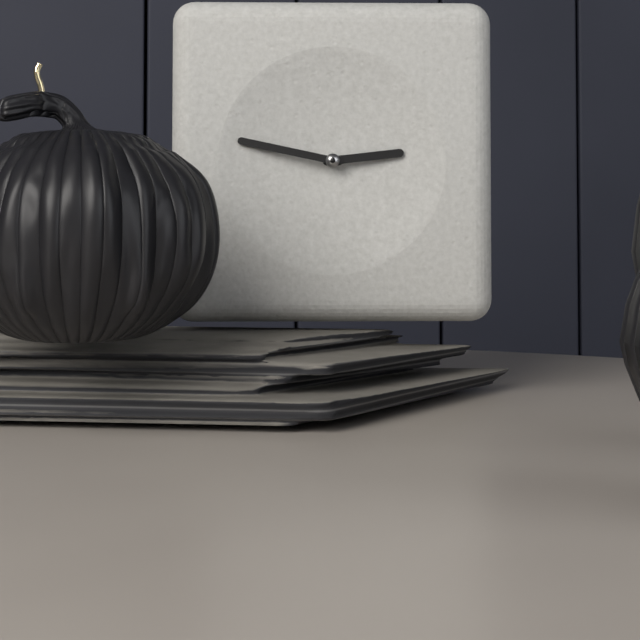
h=2 m=47
